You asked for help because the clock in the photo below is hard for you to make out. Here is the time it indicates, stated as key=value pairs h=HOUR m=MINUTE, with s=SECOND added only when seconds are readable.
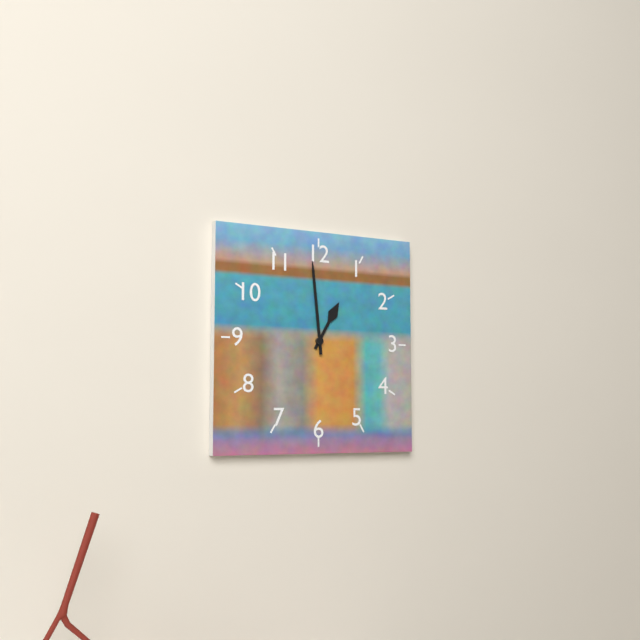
h=12 m=59
